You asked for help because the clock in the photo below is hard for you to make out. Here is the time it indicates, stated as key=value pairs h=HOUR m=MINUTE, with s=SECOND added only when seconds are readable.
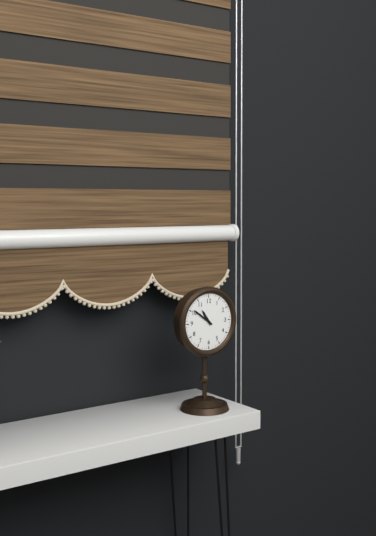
h=10 m=51
